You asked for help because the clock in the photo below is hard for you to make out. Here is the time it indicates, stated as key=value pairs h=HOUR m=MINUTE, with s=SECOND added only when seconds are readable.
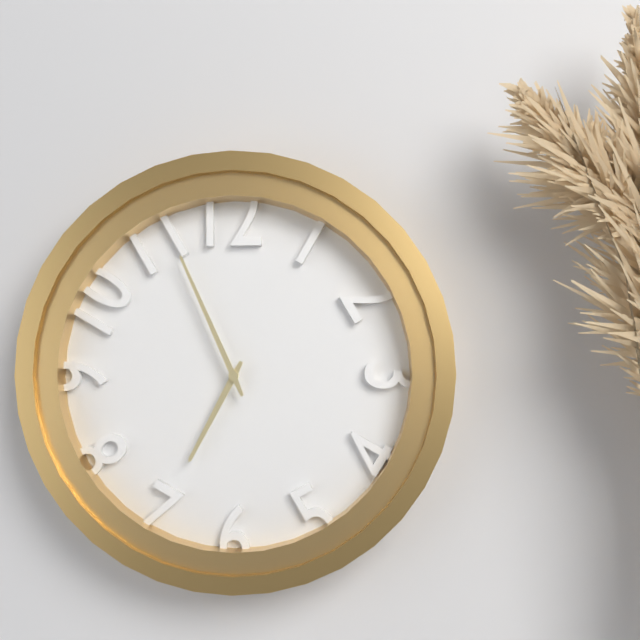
h=6 m=56
